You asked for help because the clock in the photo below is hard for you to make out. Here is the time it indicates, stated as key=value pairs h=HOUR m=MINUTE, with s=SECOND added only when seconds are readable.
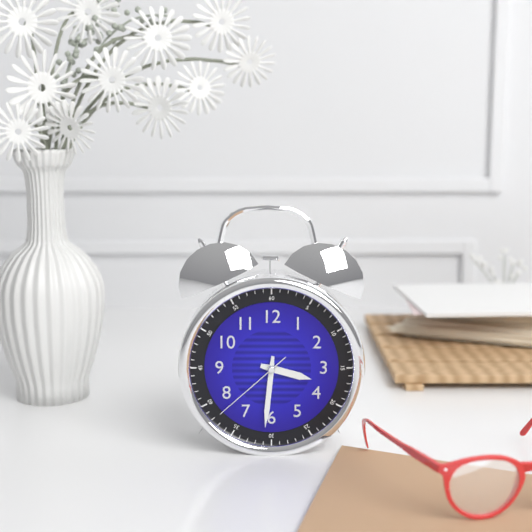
h=3 m=31 s=38
